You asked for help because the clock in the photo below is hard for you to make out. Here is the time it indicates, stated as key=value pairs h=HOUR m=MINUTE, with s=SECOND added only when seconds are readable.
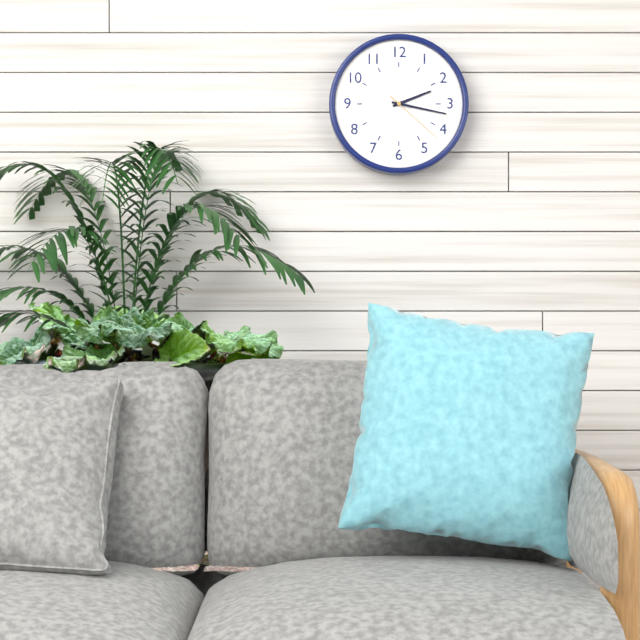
h=2 m=17 s=22
